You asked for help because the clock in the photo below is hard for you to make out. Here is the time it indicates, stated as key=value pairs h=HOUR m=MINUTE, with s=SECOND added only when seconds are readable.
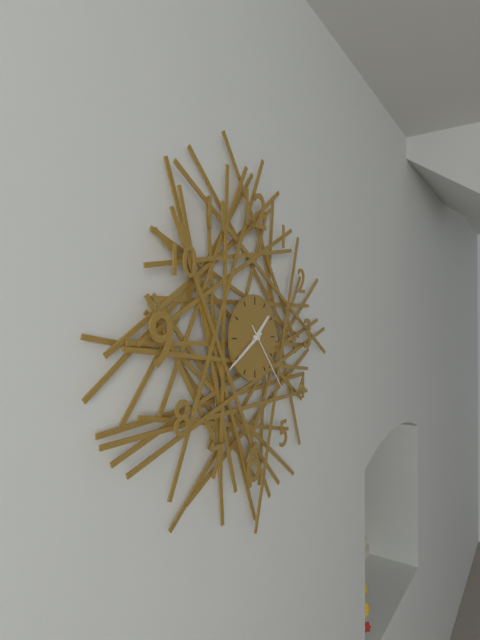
h=1 m=40 s=23
